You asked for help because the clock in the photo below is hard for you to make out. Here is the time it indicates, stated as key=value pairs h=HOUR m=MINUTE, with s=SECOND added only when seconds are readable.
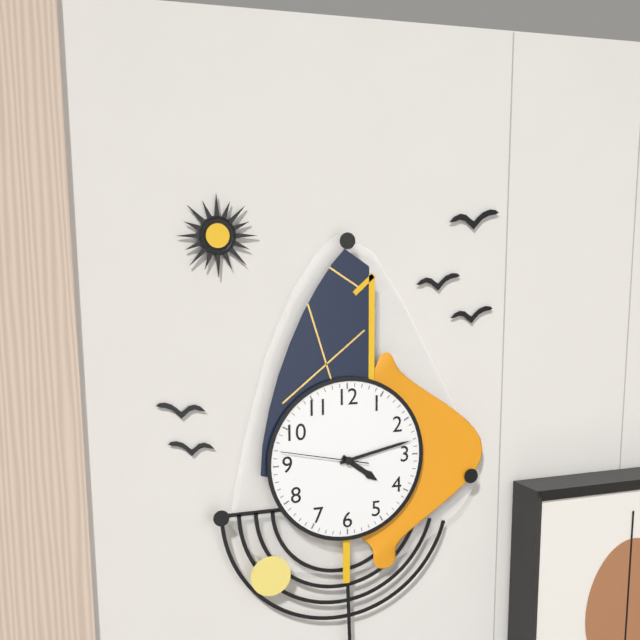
h=4 m=13 s=47
